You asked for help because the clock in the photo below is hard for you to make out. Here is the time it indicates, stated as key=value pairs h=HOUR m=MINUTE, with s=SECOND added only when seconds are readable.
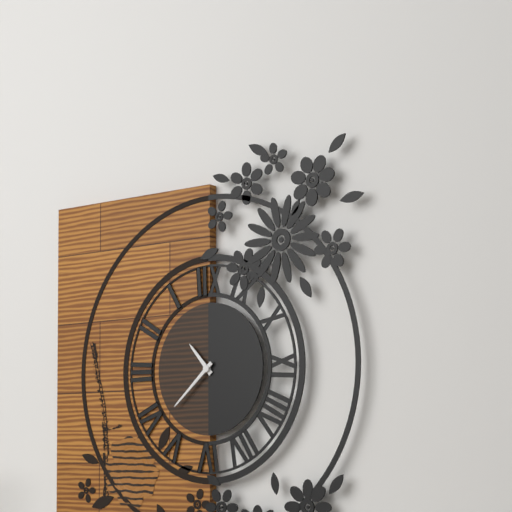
h=10 m=38
